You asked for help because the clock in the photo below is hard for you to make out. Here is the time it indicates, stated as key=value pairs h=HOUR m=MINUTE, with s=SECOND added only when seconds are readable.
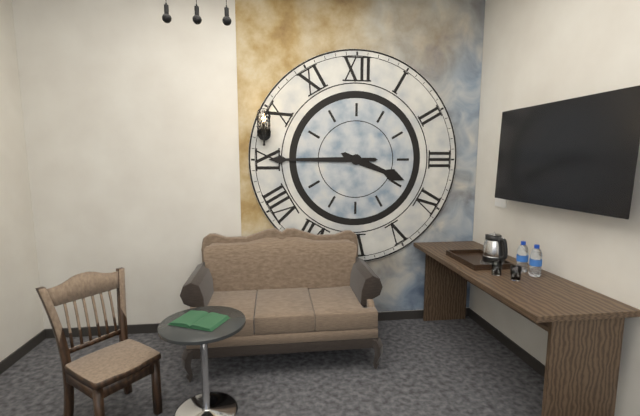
h=3 m=45
